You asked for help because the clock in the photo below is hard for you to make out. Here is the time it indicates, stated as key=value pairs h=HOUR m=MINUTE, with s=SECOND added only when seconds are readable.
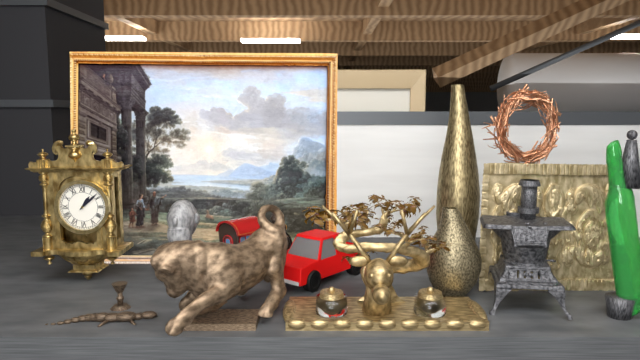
h=1 m=8
